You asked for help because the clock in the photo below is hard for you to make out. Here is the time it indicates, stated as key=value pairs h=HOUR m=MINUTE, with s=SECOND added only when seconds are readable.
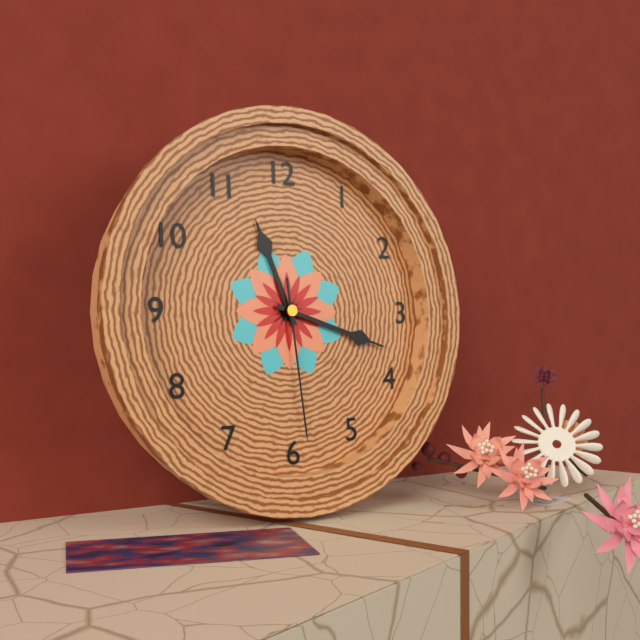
h=11 m=18 s=29
